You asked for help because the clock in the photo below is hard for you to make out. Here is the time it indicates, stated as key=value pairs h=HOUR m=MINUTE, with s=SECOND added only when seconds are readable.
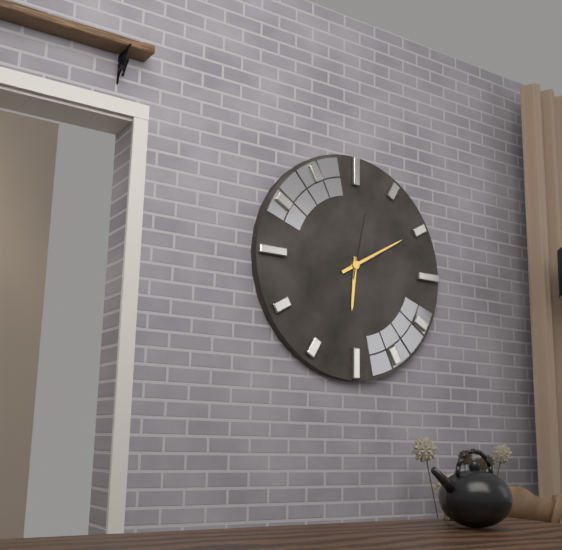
h=6 m=10 s=2
